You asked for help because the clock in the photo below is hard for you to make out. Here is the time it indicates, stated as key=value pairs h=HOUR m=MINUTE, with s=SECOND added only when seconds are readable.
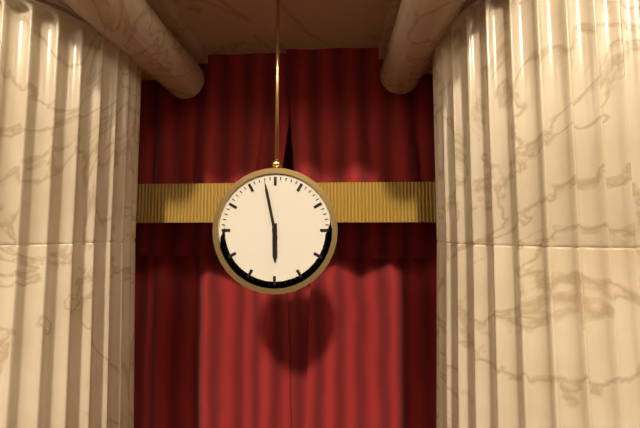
h=5 m=58
